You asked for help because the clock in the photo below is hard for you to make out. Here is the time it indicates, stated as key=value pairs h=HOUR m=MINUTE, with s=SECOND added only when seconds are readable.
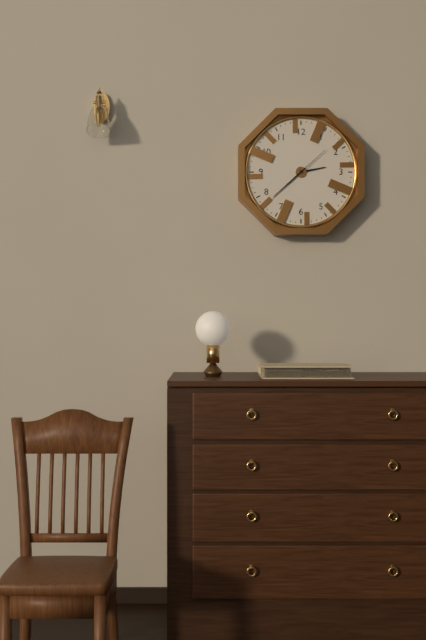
h=2 m=38
